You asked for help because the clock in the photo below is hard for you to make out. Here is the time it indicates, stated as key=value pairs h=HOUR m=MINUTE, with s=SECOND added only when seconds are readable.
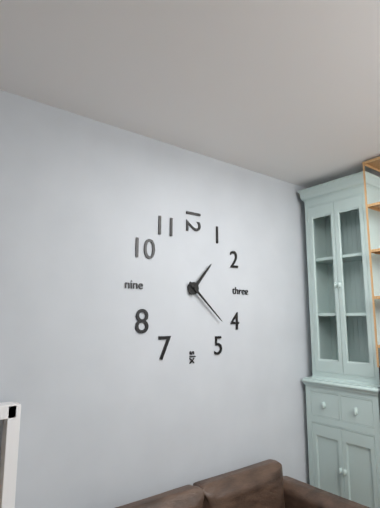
h=1 m=22
